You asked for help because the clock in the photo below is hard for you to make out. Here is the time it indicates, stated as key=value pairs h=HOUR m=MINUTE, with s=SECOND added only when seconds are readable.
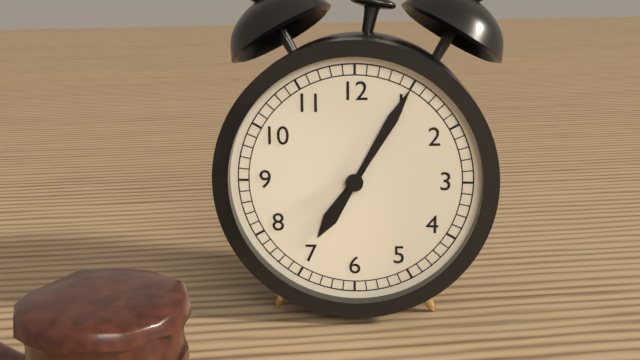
h=7 m=5
